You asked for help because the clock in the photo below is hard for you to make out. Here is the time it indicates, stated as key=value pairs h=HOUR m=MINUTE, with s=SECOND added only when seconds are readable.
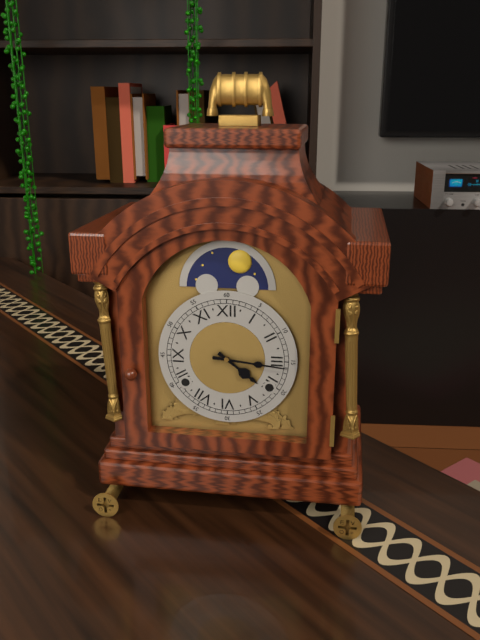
h=4 m=16
